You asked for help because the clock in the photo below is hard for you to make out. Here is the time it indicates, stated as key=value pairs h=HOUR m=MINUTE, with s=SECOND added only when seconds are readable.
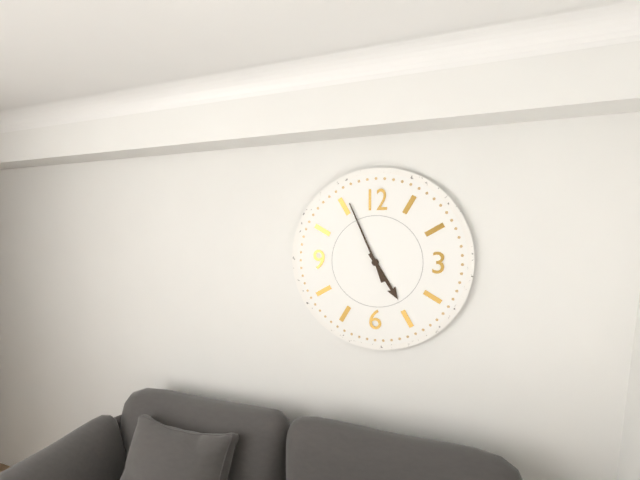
h=4 m=56
